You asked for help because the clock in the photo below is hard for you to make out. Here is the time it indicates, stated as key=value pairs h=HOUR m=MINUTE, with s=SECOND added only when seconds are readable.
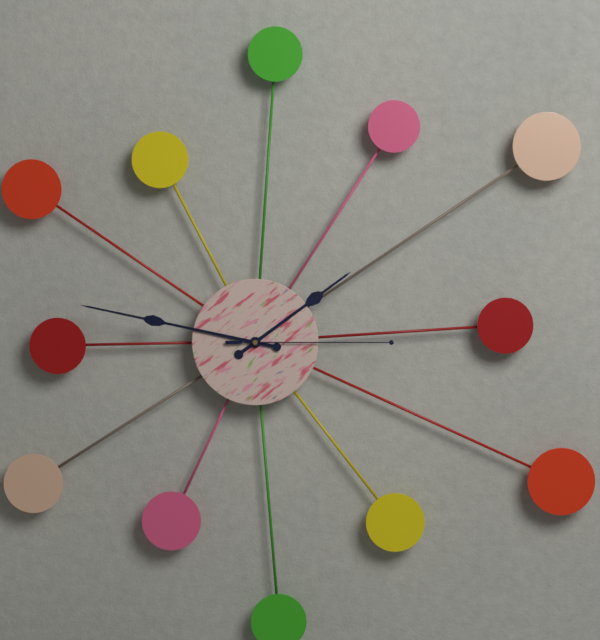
h=1 m=47 s=15
